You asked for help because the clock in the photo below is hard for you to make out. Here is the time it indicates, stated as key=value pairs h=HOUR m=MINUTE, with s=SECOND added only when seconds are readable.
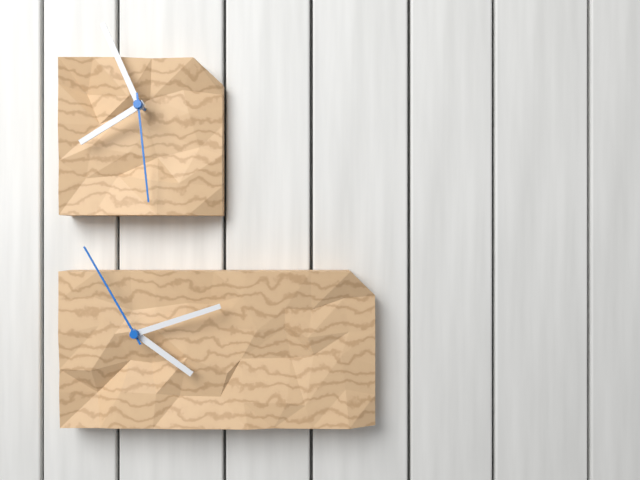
h=7 m=56 s=29
